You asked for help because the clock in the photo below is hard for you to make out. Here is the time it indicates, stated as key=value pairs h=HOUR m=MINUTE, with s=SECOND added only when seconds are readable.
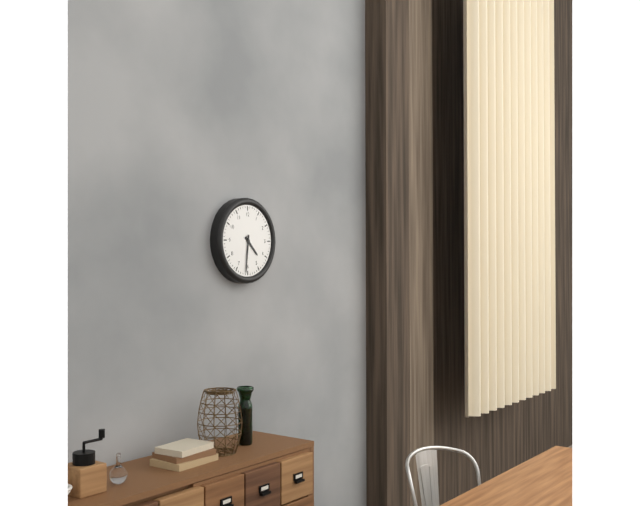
h=4 m=31
